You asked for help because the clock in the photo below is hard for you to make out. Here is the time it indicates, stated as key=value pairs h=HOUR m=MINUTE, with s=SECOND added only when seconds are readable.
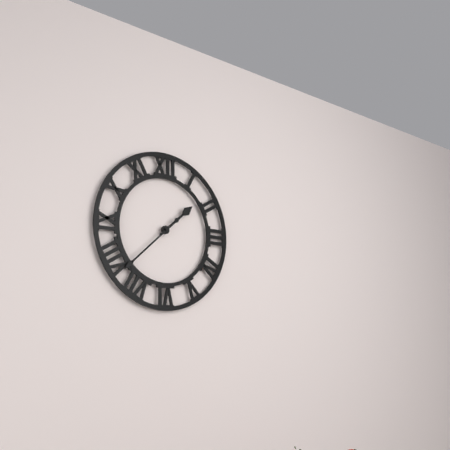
h=1 m=38
